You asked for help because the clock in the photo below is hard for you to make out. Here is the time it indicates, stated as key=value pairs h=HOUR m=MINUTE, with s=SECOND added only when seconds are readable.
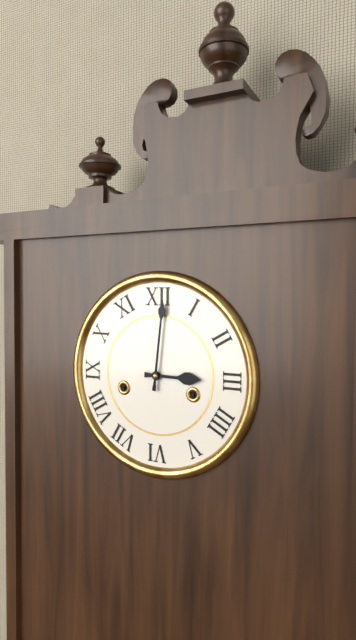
h=3 m=1
